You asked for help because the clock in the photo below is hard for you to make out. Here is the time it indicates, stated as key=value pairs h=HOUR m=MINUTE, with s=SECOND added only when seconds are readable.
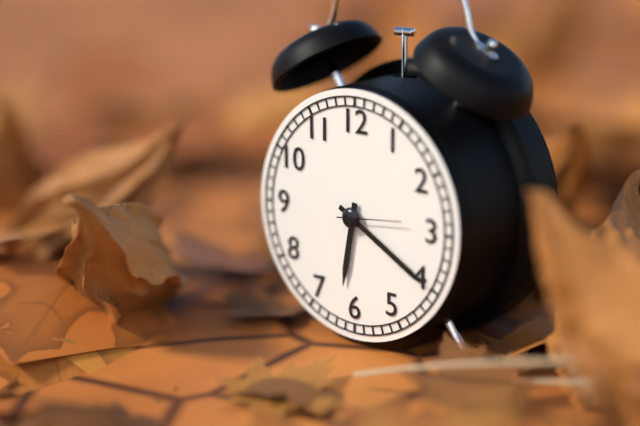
h=6 m=20 s=14
